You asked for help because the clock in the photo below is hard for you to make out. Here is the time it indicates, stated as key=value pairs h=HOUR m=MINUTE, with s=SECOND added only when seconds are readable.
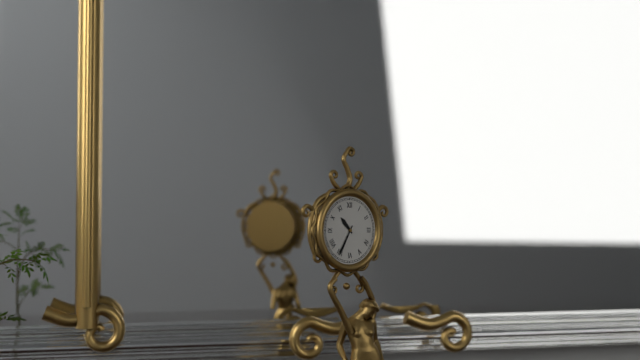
h=10 m=35
